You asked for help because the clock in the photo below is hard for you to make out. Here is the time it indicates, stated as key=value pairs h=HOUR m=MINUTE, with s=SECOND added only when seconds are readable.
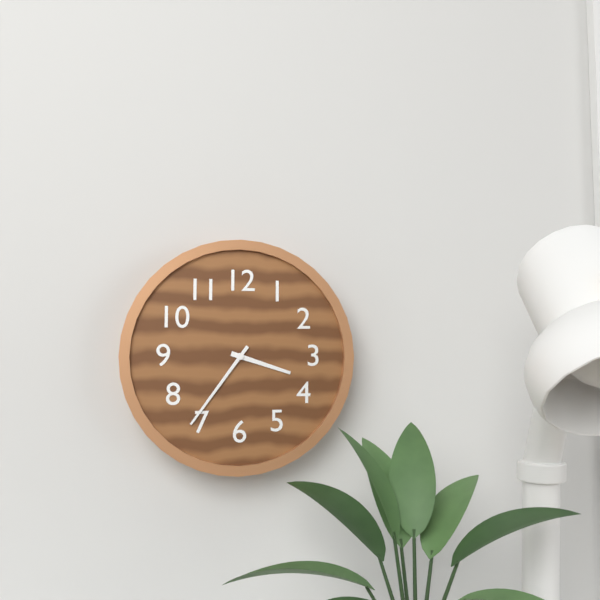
h=3 m=36
